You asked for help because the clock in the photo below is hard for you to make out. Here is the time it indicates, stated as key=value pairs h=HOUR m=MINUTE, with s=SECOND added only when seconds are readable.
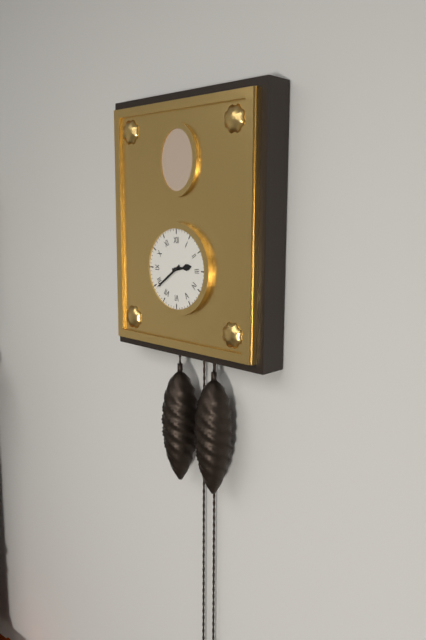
h=2 m=39
